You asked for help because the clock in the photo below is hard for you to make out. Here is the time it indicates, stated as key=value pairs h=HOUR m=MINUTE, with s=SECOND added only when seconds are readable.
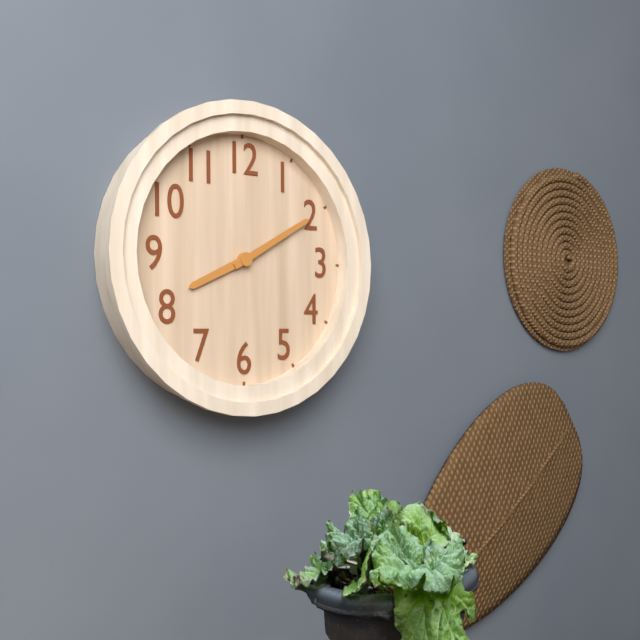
h=8 m=10
